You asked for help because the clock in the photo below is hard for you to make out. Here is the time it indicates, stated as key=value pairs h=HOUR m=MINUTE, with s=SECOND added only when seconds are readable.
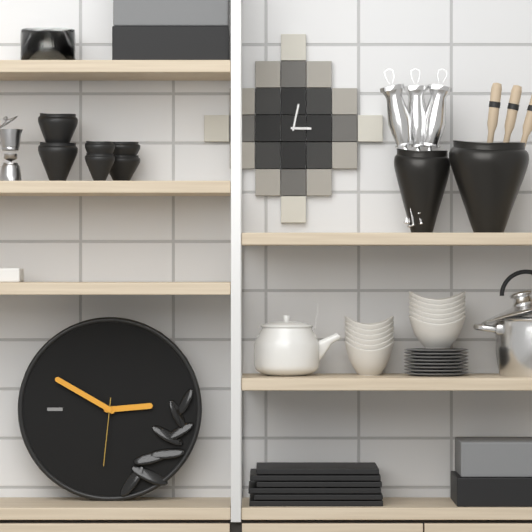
h=2 m=50 s=31
